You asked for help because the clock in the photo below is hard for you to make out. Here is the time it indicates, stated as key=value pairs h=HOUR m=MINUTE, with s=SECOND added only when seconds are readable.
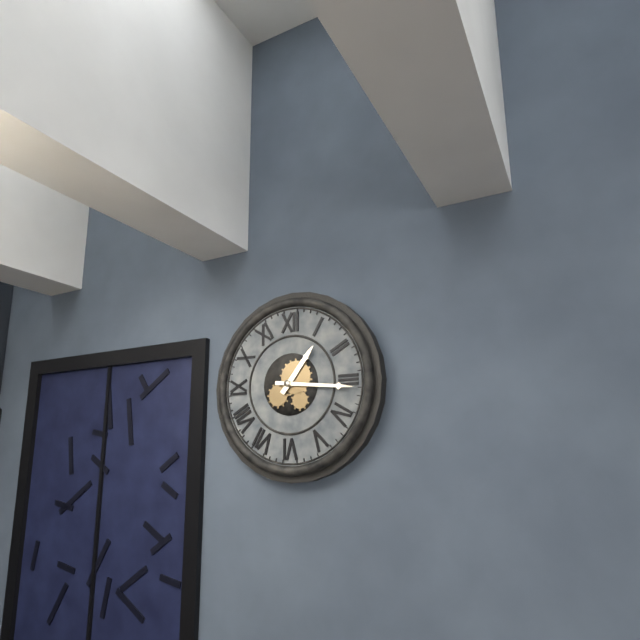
h=1 m=16
